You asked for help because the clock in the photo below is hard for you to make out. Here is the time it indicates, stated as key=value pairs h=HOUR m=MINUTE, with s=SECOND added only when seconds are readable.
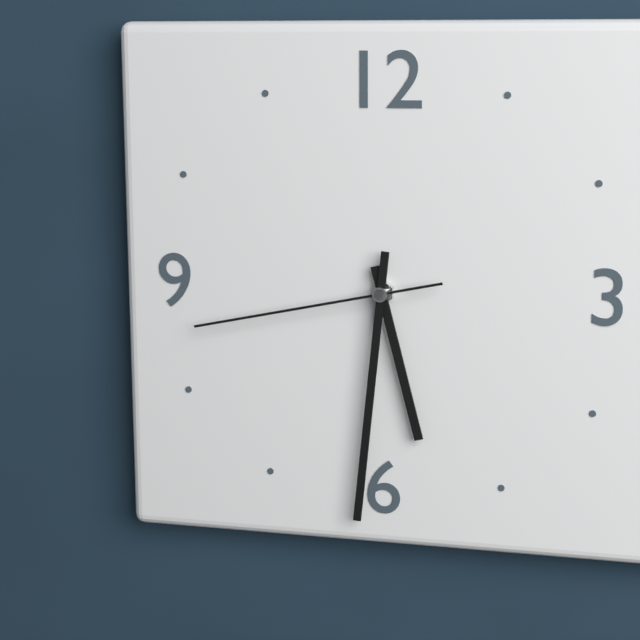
h=5 m=31 s=43
